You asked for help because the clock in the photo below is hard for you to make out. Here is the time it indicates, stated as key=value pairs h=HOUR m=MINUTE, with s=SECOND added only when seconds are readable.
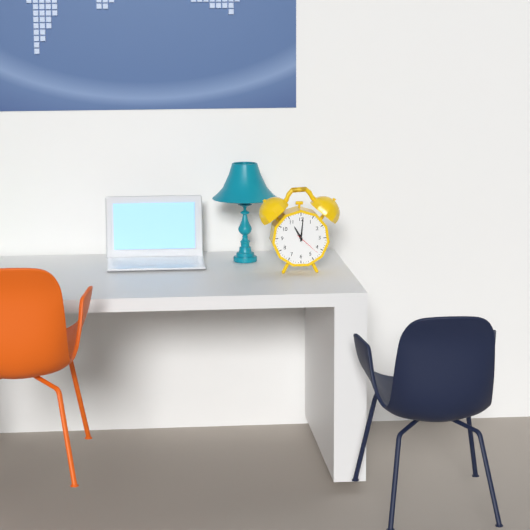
h=11 m=1
